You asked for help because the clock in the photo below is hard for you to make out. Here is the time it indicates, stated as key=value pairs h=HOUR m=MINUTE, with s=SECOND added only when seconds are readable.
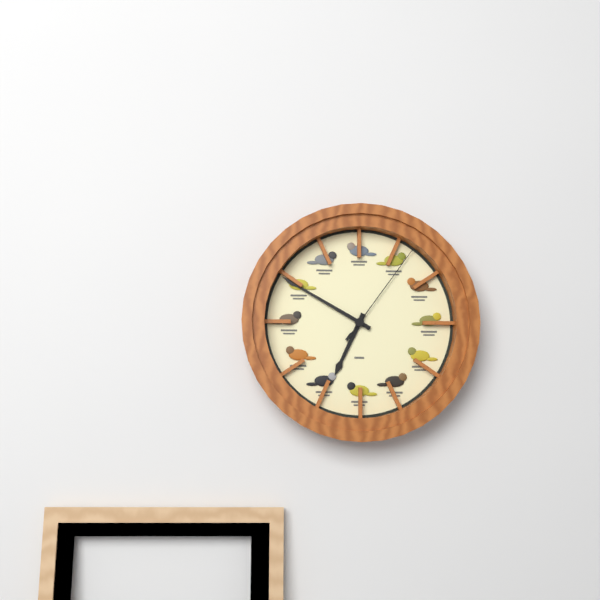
h=6 m=50 s=6
